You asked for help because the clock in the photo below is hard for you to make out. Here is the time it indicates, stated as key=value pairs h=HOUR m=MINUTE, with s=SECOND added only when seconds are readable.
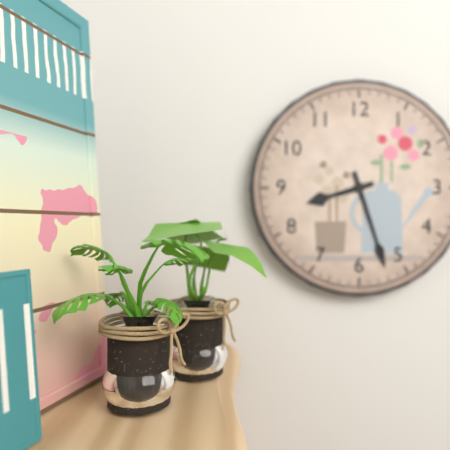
h=8 m=27
